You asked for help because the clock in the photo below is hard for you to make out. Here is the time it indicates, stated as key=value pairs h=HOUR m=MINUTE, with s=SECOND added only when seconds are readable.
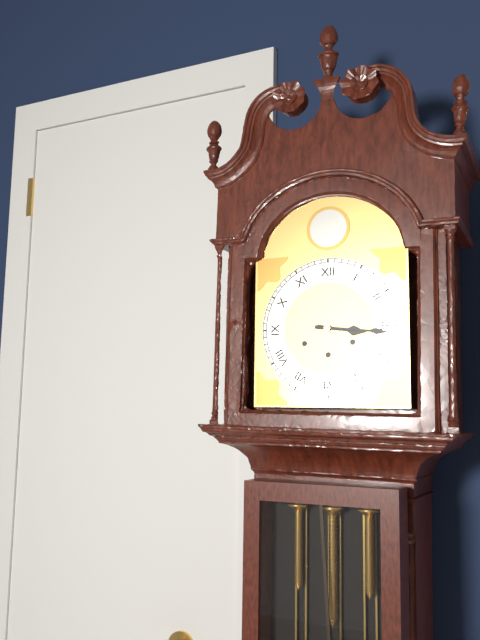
h=3 m=16
